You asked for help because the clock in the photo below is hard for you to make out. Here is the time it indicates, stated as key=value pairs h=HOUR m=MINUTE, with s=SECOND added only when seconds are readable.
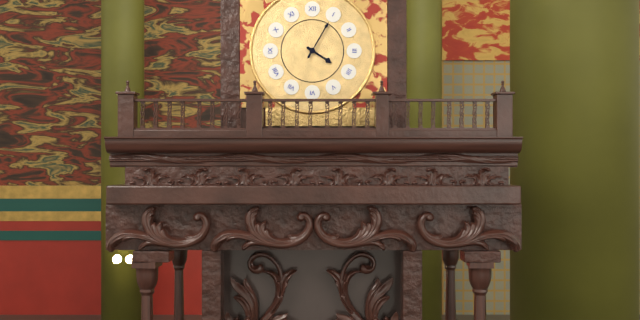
h=4 m=5
